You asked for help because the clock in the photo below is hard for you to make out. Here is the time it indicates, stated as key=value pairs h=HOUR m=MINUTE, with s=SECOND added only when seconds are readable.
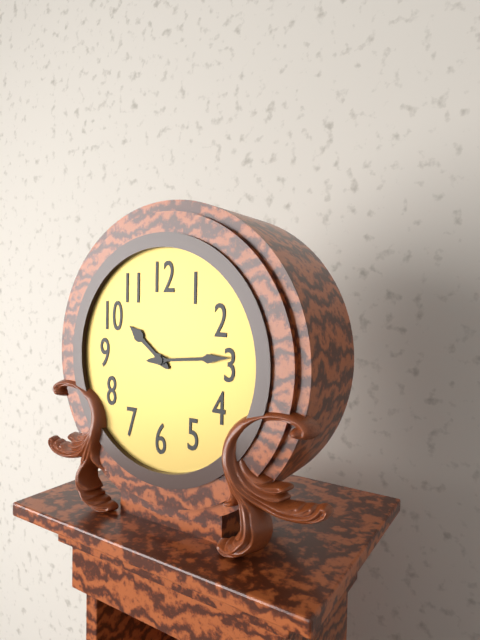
h=10 m=14
